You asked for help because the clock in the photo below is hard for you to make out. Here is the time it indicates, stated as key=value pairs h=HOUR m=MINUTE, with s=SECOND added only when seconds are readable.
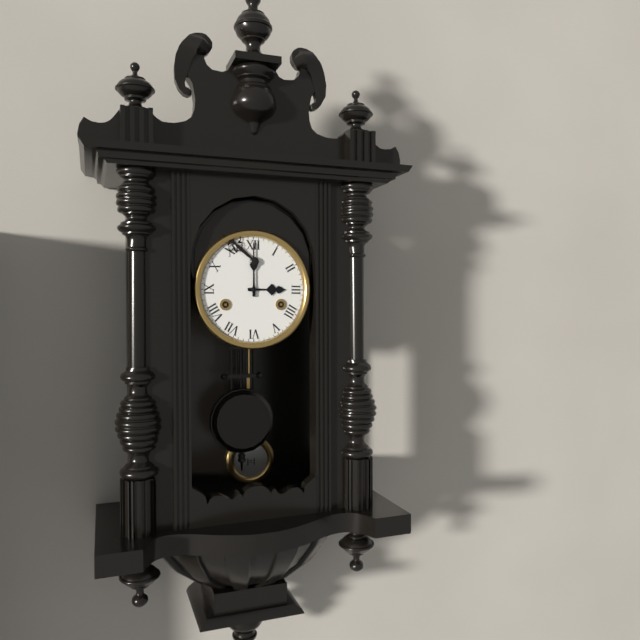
h=3 m=0
